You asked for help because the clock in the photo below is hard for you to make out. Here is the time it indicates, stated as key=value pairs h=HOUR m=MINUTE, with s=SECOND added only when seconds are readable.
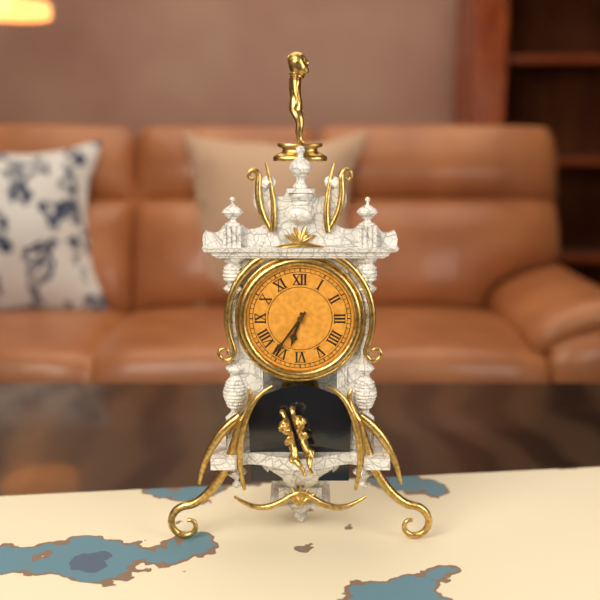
h=6 m=36
